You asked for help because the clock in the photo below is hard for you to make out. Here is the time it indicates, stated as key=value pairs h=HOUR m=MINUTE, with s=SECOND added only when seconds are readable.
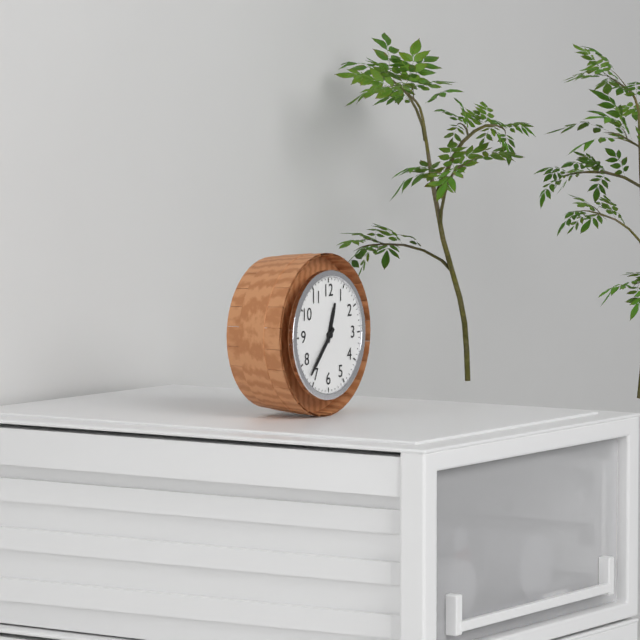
h=12 m=37
